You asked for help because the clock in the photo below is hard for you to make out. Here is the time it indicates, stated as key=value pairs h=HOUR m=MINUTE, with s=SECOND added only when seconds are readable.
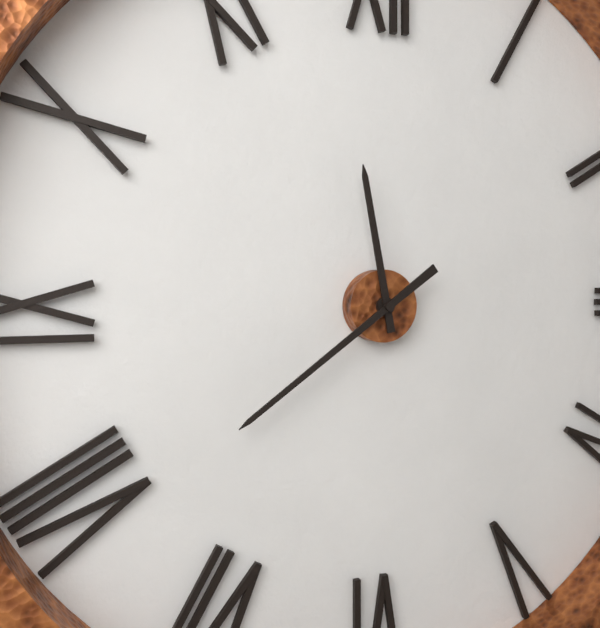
h=11 m=39
